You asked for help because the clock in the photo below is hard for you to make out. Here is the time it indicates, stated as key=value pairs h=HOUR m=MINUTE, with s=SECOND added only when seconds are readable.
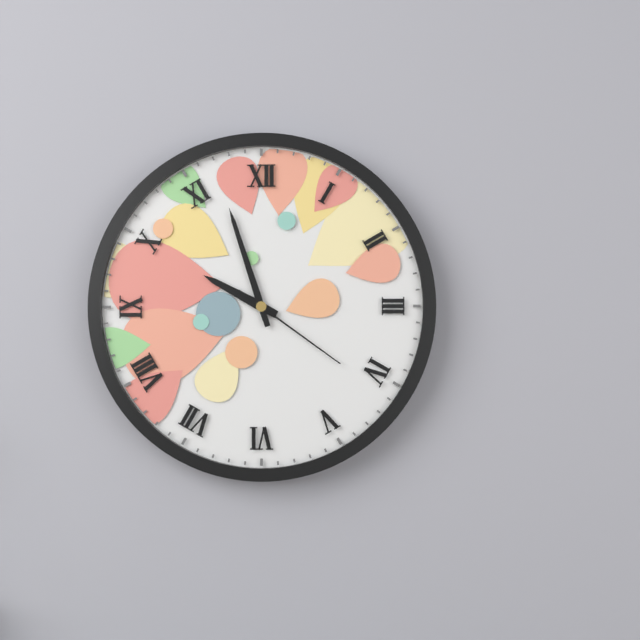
h=9 m=57 s=21
